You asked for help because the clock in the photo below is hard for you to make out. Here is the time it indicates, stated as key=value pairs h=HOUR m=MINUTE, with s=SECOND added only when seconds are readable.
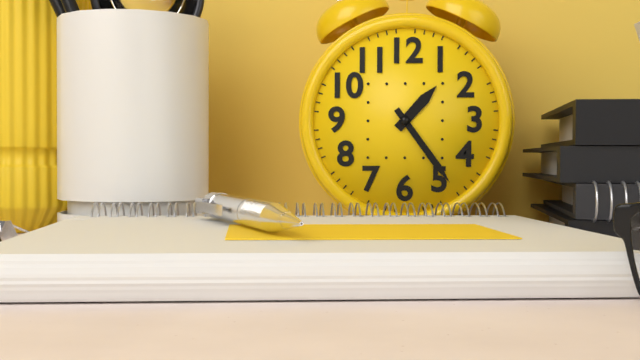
h=1 m=24
